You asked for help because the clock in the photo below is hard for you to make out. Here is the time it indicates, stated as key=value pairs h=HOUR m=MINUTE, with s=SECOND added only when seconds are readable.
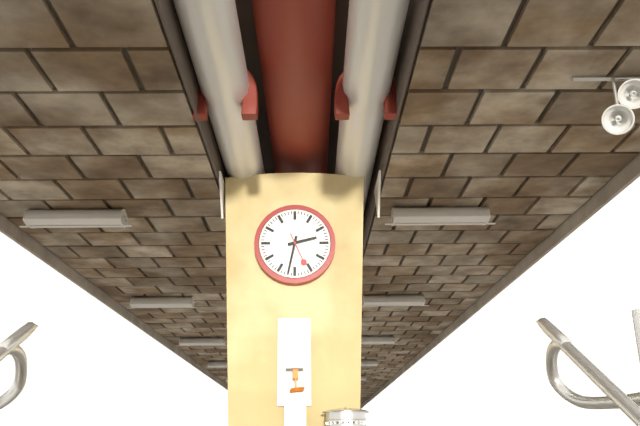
h=2 m=32
